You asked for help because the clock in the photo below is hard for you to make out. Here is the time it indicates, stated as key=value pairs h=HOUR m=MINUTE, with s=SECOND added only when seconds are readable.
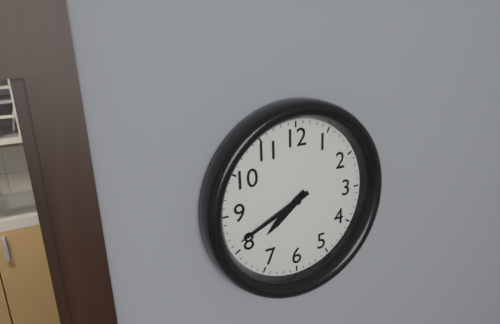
h=7 m=41
